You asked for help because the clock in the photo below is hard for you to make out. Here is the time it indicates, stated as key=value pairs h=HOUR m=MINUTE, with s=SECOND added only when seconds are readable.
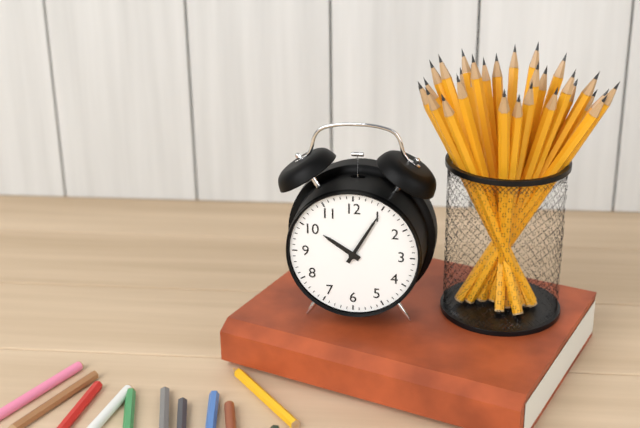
h=10 m=5
